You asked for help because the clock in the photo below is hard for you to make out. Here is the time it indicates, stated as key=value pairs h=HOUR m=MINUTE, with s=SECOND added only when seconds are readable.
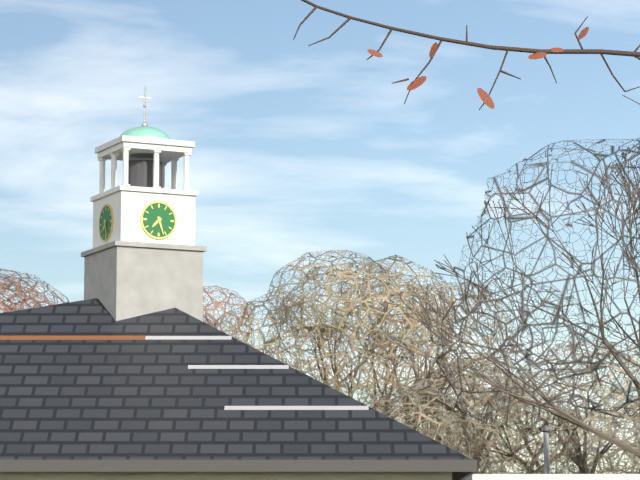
h=7 m=27
